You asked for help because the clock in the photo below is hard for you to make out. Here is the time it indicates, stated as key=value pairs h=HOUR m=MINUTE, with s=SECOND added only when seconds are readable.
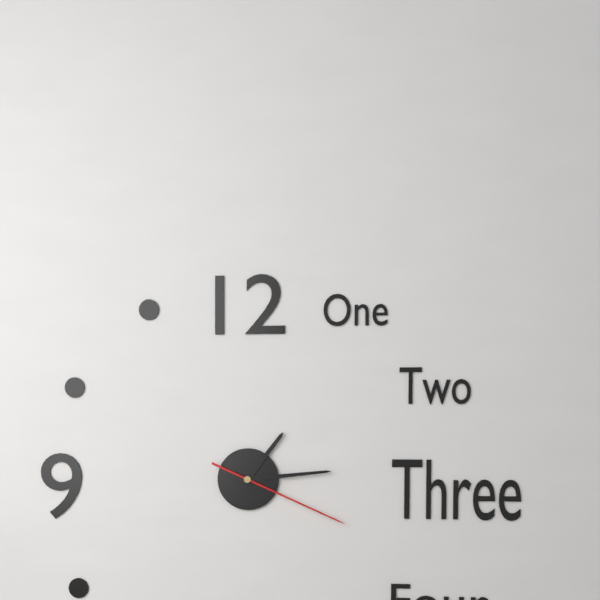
h=1 m=14 s=19
